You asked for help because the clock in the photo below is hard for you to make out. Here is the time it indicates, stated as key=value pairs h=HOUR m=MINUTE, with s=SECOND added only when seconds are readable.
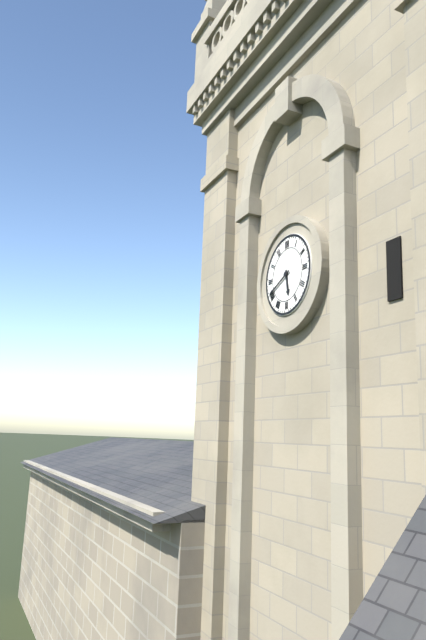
h=5 m=41
